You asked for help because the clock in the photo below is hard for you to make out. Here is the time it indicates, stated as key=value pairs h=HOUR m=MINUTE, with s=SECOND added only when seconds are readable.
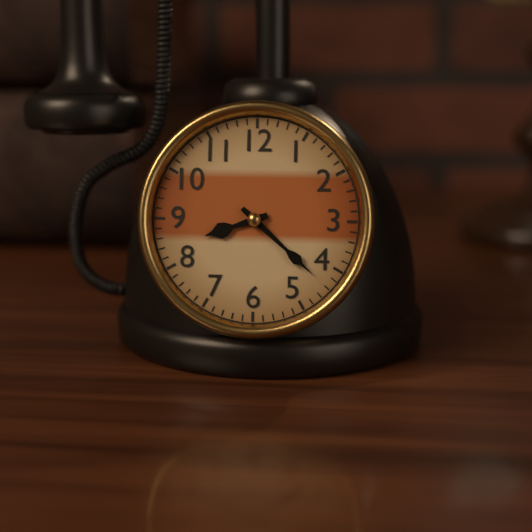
h=8 m=22
